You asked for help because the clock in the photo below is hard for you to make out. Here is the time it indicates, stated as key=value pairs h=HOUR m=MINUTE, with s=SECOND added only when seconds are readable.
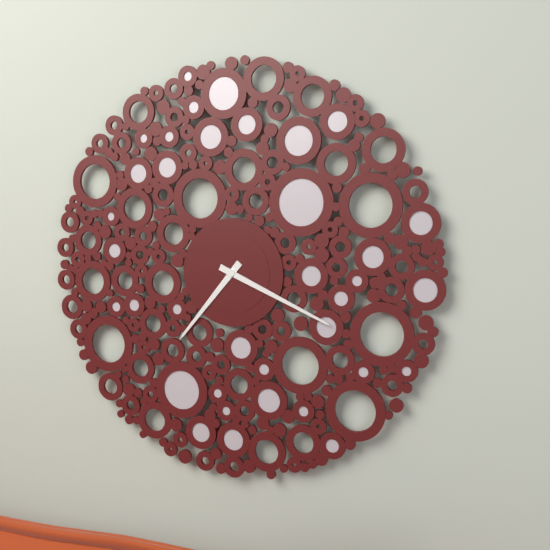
h=7 m=19
